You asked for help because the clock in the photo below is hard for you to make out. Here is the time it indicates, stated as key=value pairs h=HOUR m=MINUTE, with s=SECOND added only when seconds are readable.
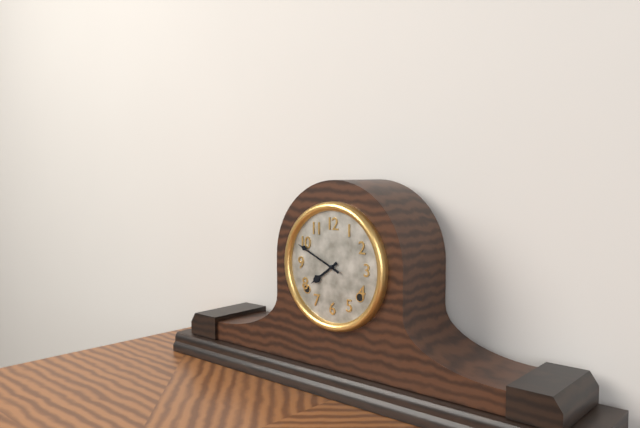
h=7 m=49
